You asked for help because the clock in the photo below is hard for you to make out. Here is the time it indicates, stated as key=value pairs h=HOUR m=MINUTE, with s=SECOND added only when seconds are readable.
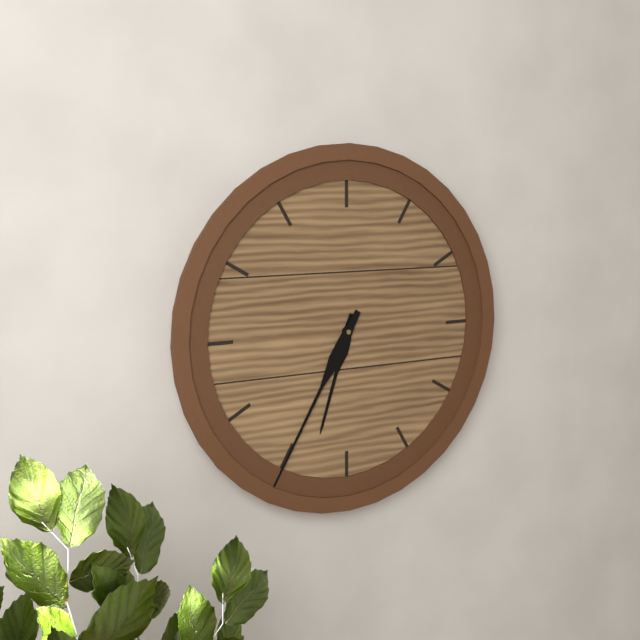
h=6 m=35
